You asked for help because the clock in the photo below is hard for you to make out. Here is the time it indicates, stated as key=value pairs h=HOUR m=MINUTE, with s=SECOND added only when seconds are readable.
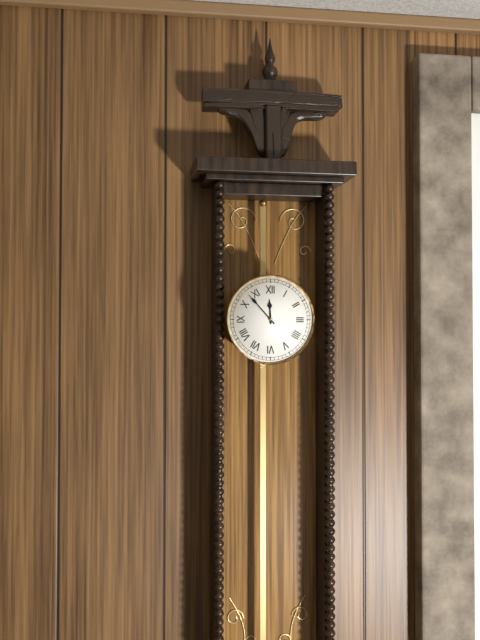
h=11 m=53
